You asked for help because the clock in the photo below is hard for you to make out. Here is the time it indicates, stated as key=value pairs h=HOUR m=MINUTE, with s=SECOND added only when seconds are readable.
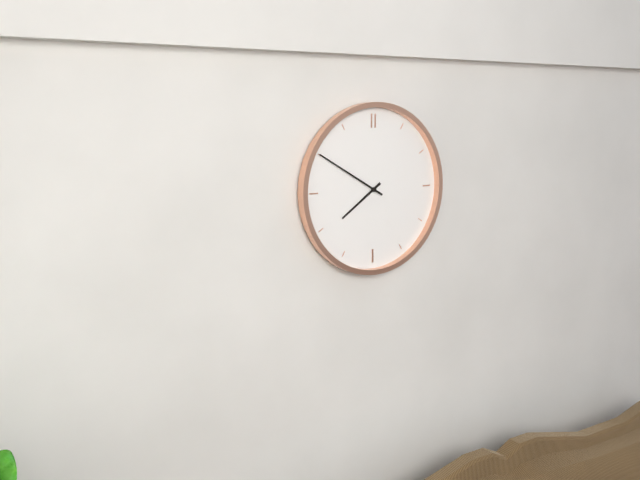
h=7 m=50
